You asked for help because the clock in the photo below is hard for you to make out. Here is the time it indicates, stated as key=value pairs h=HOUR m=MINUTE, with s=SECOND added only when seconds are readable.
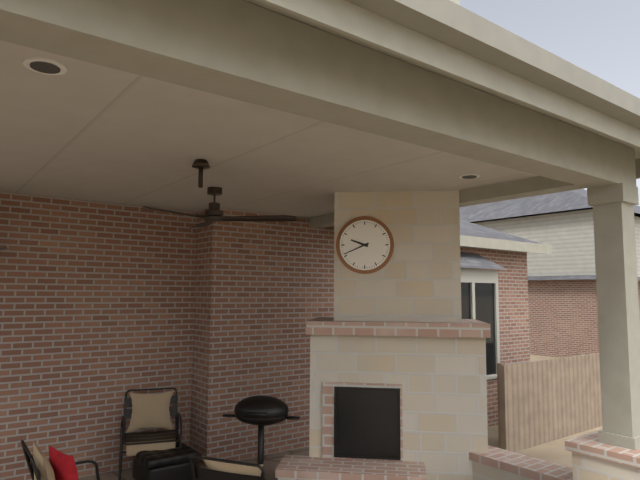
h=9 m=41
